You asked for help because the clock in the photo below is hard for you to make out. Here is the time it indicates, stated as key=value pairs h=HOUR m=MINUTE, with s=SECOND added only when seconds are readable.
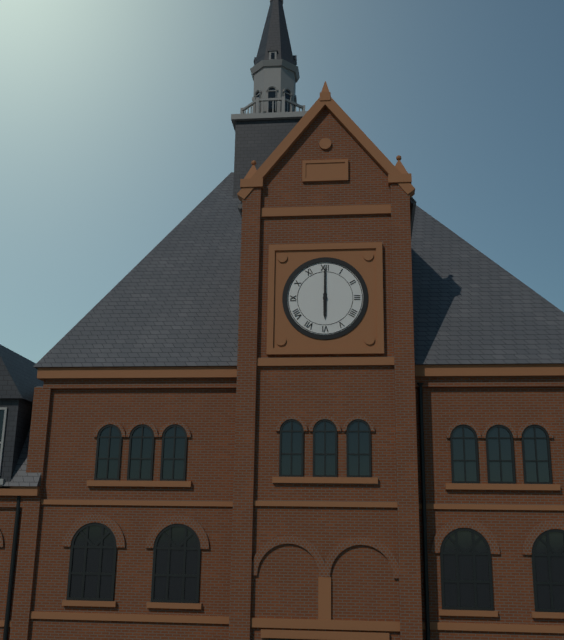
h=6 m=0
